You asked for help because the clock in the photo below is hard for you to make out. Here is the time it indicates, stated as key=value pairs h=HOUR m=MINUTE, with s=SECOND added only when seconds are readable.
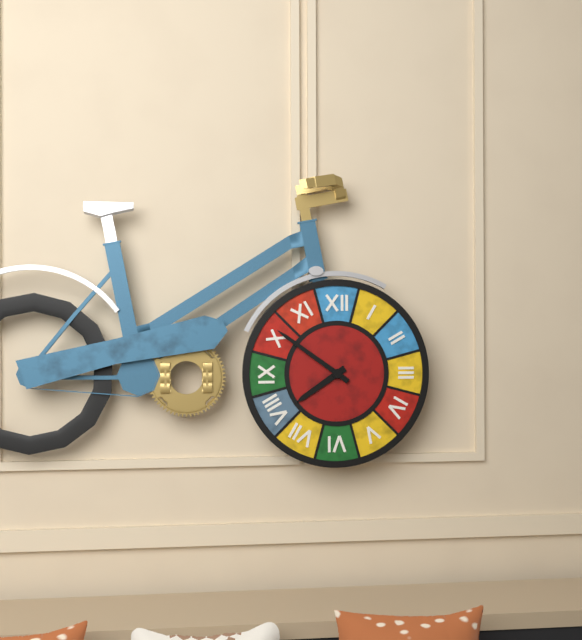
h=7 m=51
